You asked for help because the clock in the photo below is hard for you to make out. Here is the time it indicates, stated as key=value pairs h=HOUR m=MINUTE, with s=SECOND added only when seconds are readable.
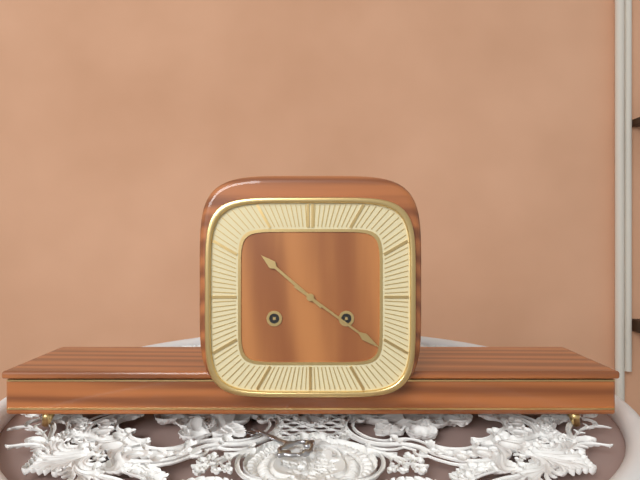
h=10 m=21
